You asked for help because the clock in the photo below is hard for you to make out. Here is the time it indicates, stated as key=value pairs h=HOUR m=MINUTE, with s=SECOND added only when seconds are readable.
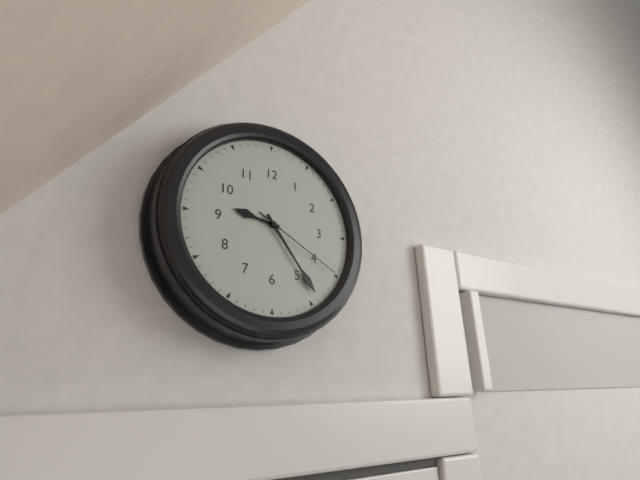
h=9 m=24 s=20
